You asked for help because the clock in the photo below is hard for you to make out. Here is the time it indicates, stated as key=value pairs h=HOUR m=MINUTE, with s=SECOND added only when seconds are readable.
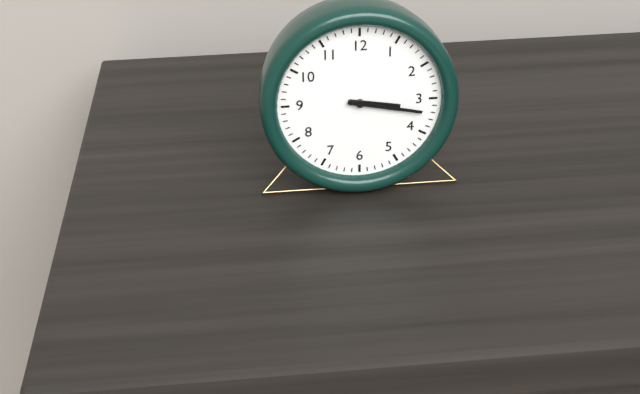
h=3 m=17
